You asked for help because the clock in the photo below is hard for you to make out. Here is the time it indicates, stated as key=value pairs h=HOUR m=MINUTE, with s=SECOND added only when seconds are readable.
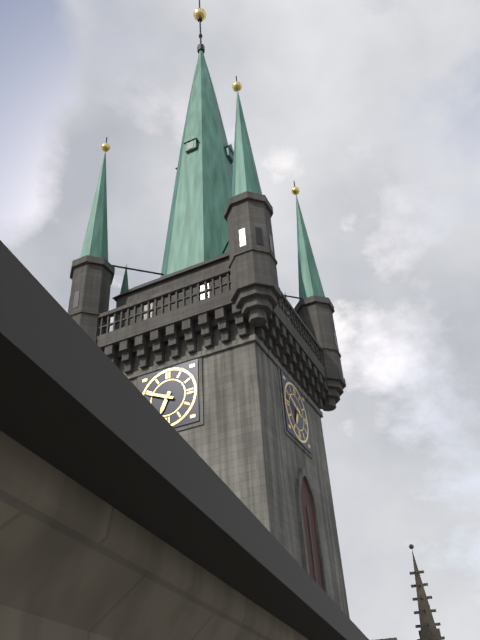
h=6 m=49
